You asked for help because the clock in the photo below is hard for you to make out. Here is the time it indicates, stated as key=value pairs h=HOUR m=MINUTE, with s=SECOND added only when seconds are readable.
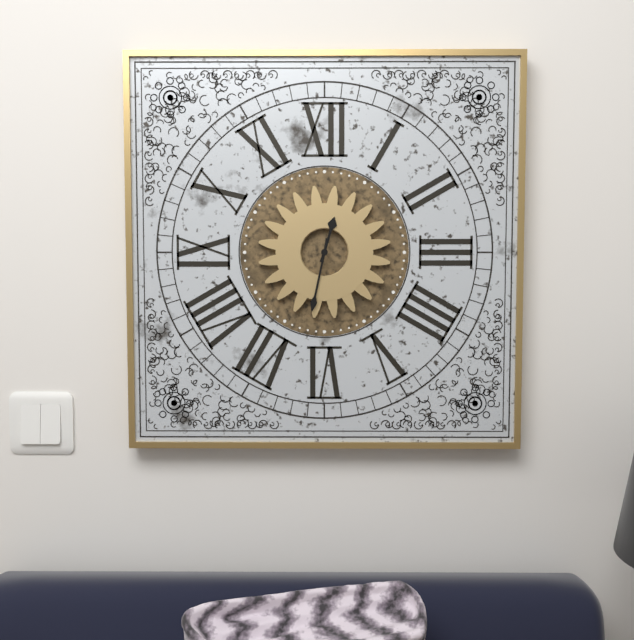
h=12 m=32
